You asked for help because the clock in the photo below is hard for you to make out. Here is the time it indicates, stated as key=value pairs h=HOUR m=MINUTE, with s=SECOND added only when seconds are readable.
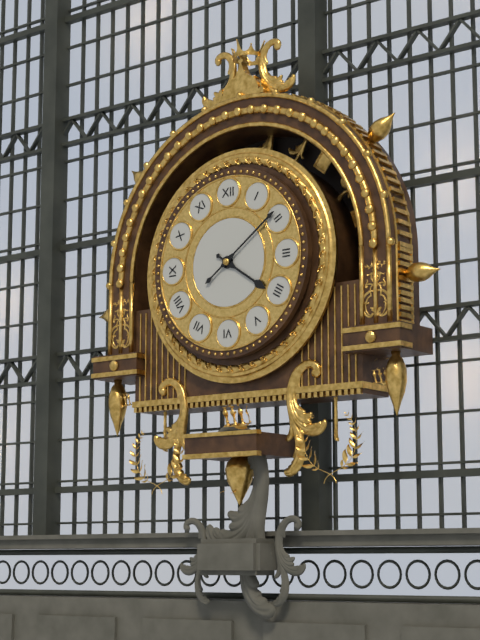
h=4 m=9
